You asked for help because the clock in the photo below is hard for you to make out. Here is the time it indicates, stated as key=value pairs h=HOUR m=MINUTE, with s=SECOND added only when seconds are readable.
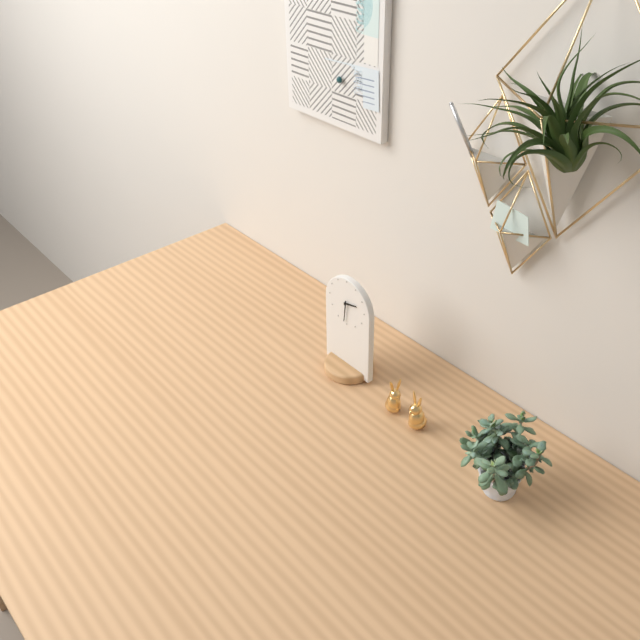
h=2 m=31
